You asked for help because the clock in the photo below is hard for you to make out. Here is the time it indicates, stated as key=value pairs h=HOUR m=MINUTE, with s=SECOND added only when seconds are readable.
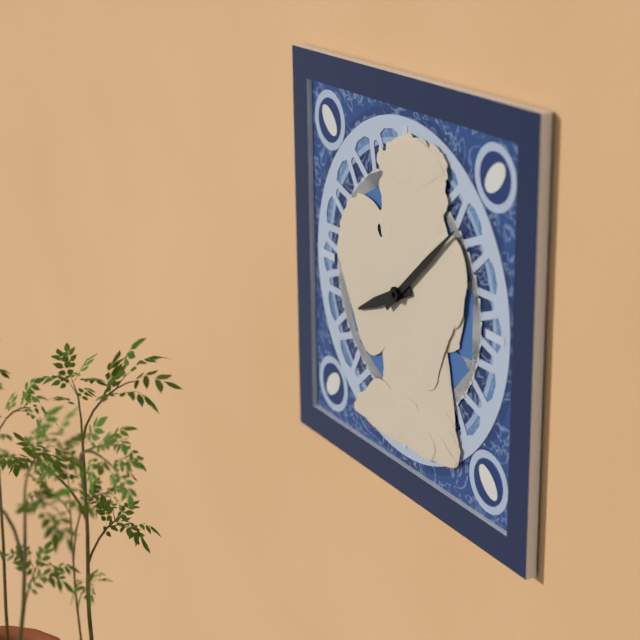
h=8 m=8
